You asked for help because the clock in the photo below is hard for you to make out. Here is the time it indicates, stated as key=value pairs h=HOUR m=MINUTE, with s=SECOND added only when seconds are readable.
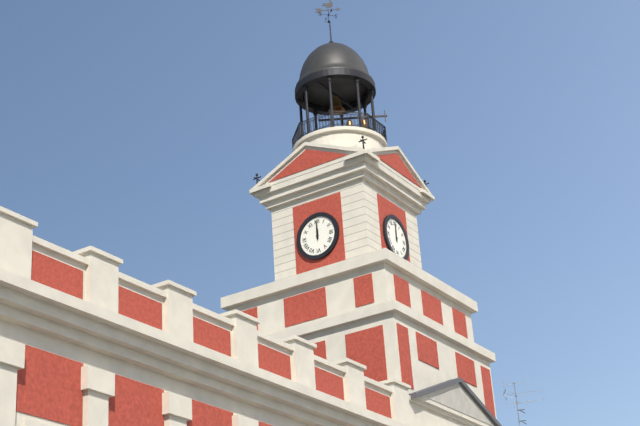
h=12 m=0
